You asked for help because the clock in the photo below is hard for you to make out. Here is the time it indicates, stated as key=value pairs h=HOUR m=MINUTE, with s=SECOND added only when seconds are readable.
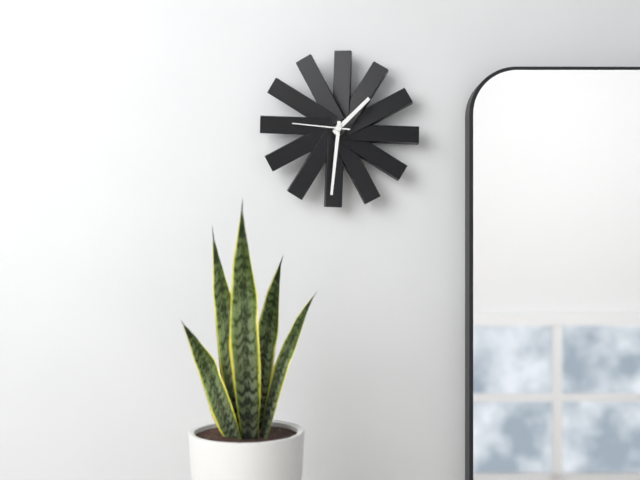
h=1 m=31 s=46
